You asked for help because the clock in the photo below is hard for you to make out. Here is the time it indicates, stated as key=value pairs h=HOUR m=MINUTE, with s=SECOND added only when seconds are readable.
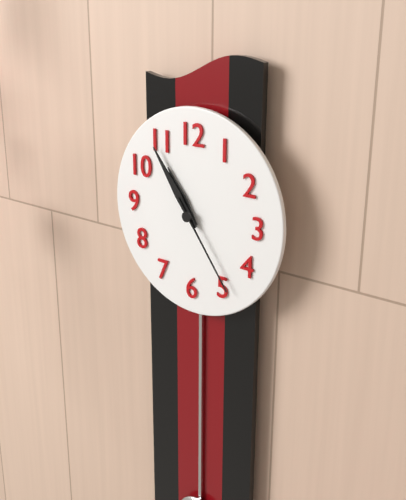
h=10 m=54 s=24
